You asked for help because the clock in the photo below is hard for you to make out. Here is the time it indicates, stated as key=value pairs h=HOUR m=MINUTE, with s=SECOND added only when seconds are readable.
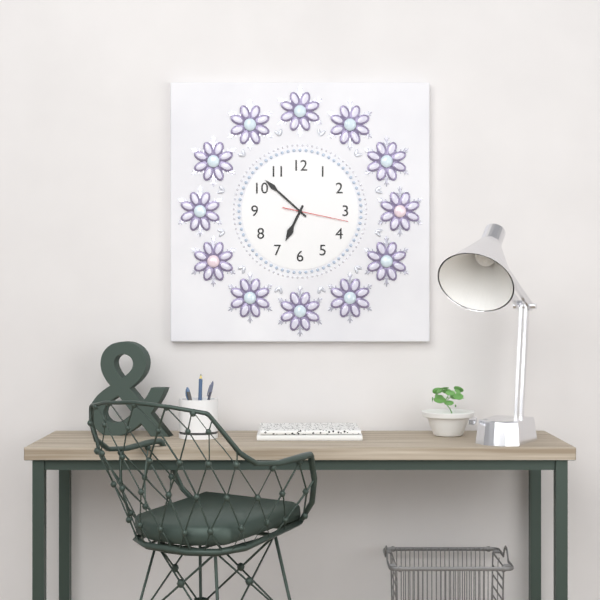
h=6 m=52 s=17
